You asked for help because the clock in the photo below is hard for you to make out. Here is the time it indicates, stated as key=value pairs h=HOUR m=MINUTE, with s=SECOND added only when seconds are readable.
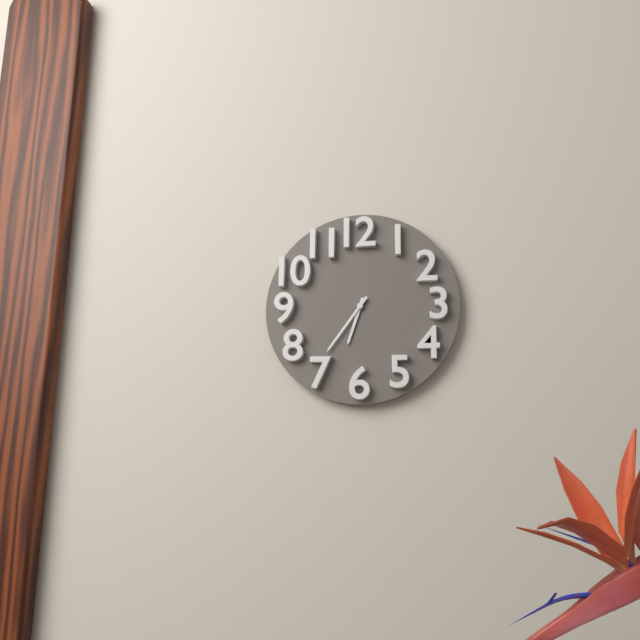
h=6 m=36
